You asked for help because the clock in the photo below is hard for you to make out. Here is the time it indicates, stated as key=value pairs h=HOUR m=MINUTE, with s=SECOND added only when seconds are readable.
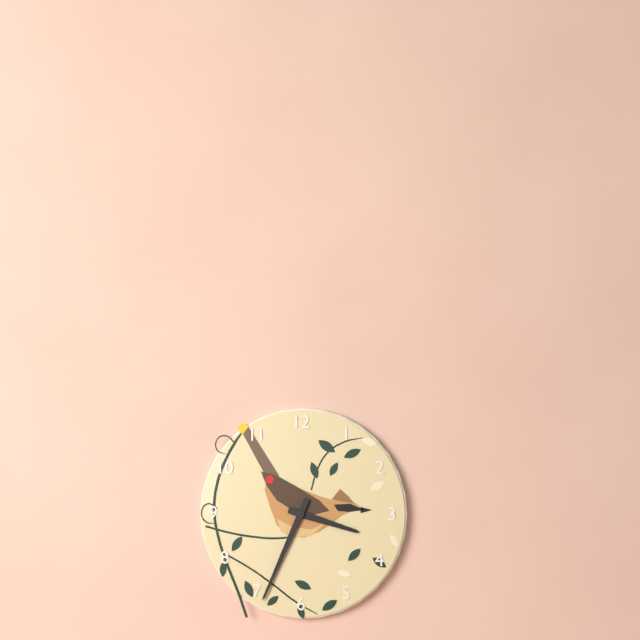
h=3 m=34
